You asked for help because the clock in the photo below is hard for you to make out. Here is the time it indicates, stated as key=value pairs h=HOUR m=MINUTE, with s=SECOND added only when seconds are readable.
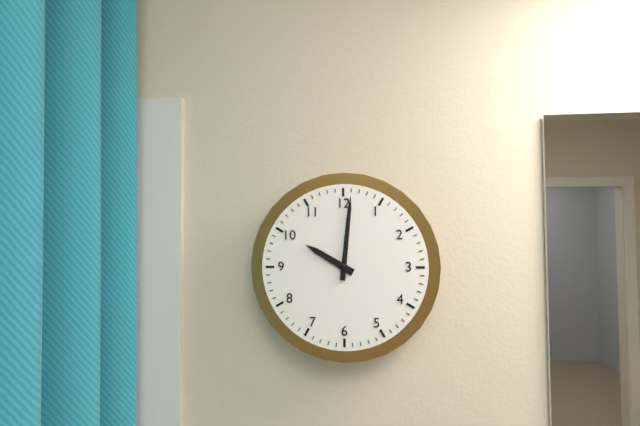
h=10 m=1
